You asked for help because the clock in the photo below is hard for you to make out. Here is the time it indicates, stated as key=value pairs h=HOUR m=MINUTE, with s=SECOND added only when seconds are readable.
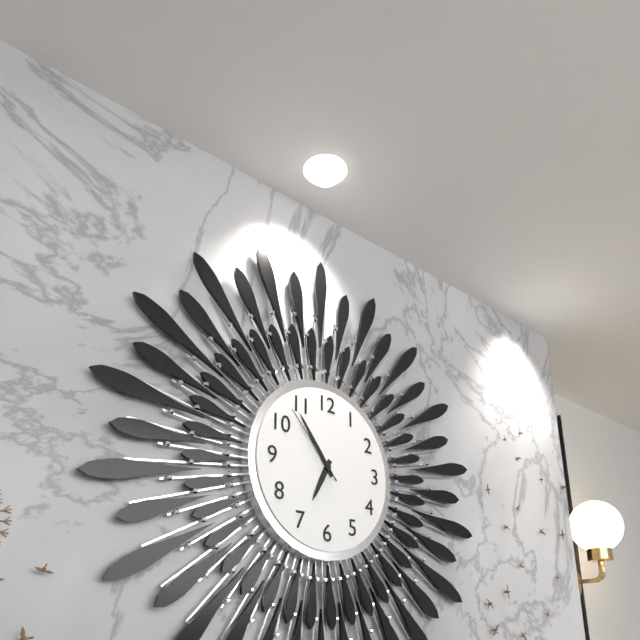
h=6 m=54 s=53
